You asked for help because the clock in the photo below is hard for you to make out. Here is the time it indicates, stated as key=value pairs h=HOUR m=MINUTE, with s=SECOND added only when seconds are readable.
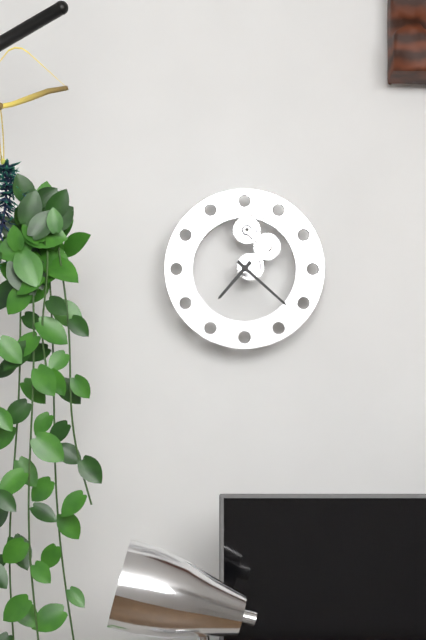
h=7 m=22
